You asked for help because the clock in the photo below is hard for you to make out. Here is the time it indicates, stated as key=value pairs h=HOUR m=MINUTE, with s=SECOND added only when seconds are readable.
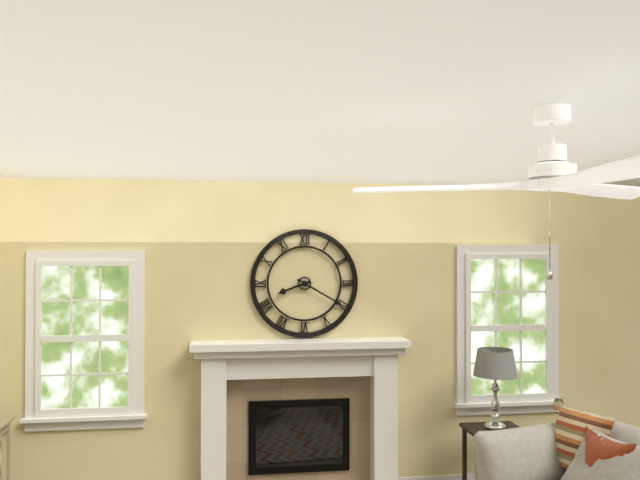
h=8 m=20
